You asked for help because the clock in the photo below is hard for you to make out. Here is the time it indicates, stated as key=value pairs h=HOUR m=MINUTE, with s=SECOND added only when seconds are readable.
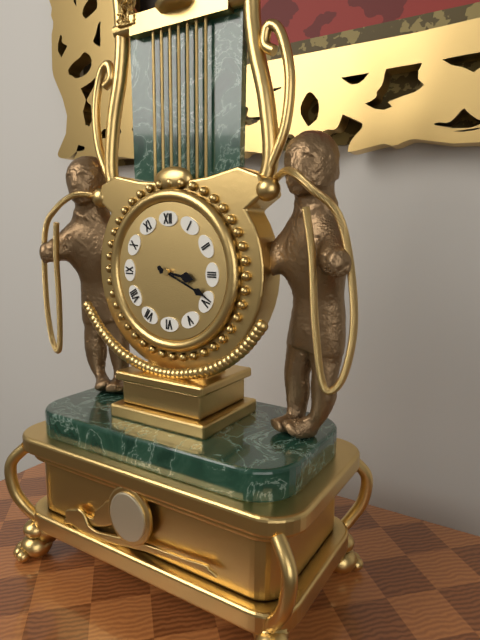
h=3 m=19
